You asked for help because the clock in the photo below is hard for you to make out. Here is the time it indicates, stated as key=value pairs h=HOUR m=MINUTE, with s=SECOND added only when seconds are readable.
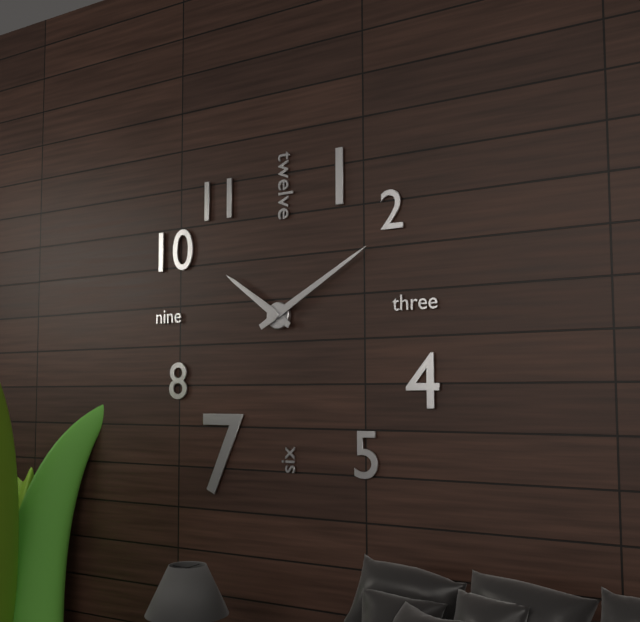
h=10 m=10
